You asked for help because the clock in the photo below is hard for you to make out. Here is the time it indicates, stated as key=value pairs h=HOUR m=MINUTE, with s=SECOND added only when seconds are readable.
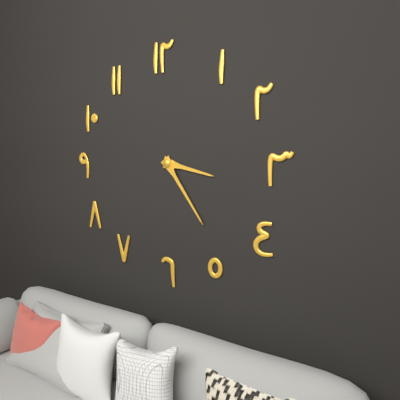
h=3 m=24
